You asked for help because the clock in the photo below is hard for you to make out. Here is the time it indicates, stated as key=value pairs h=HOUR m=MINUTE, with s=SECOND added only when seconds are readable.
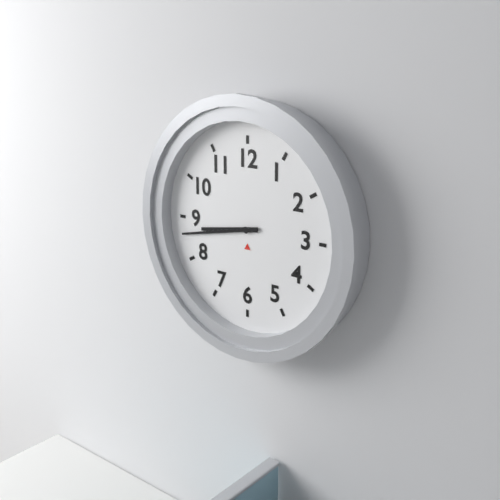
h=8 m=43
